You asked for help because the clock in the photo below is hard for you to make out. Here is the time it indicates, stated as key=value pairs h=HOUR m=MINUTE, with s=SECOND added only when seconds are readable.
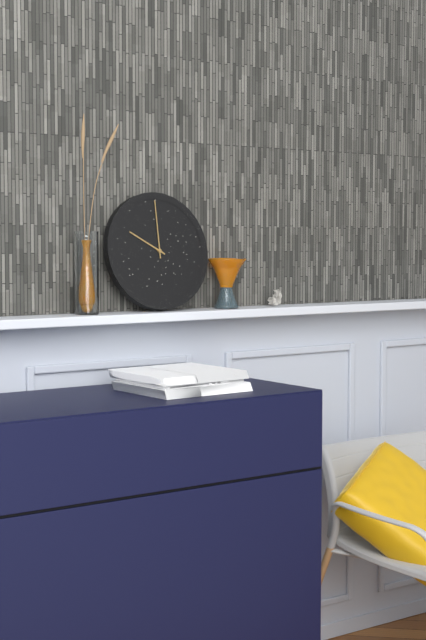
h=10 m=0
